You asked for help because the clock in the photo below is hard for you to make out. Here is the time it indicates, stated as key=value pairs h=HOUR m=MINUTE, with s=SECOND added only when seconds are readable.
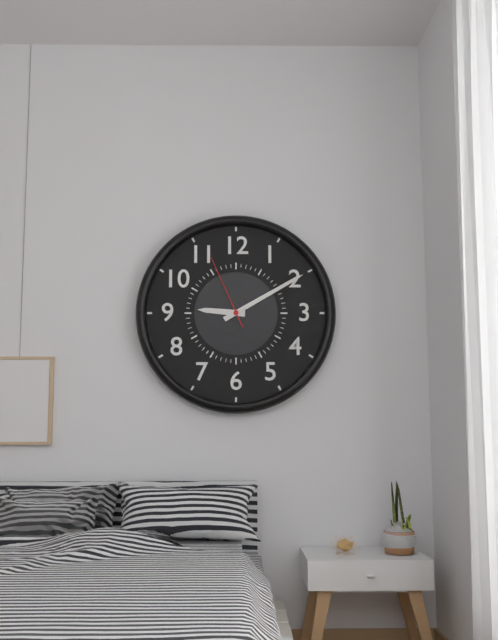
h=9 m=10 s=56
